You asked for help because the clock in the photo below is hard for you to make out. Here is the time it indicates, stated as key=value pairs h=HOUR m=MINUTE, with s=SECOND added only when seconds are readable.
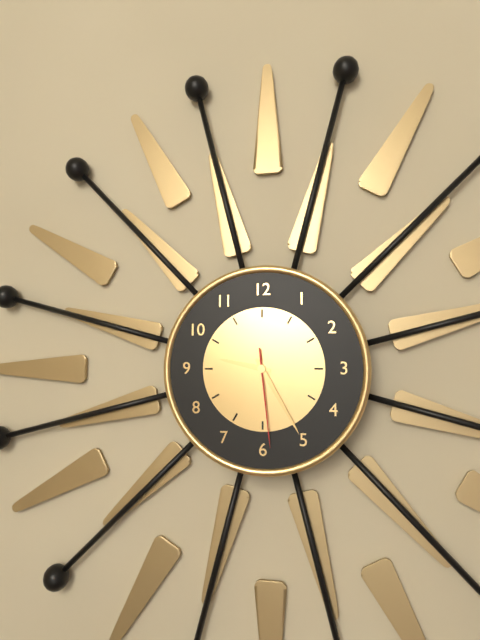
h=9 m=25 s=29
